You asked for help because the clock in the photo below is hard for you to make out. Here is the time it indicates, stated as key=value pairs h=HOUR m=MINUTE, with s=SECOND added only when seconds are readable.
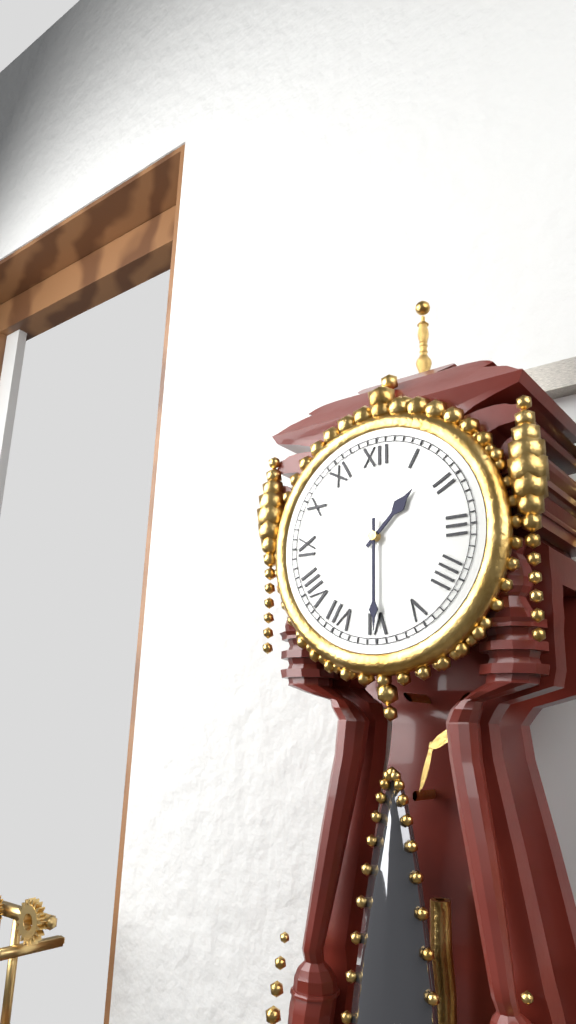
h=1 m=30
